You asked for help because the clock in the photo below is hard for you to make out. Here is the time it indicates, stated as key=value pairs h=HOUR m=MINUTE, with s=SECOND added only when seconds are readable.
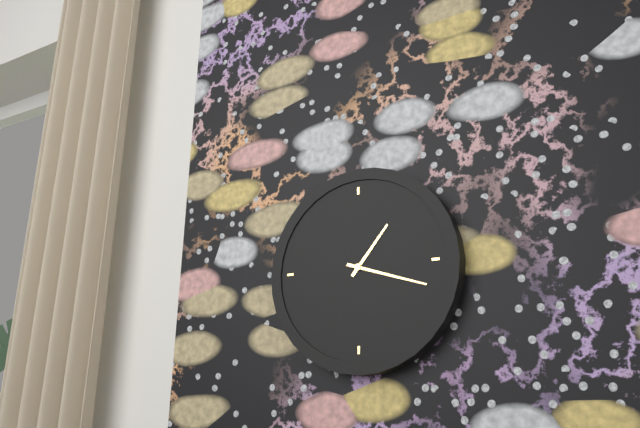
h=1 m=18
